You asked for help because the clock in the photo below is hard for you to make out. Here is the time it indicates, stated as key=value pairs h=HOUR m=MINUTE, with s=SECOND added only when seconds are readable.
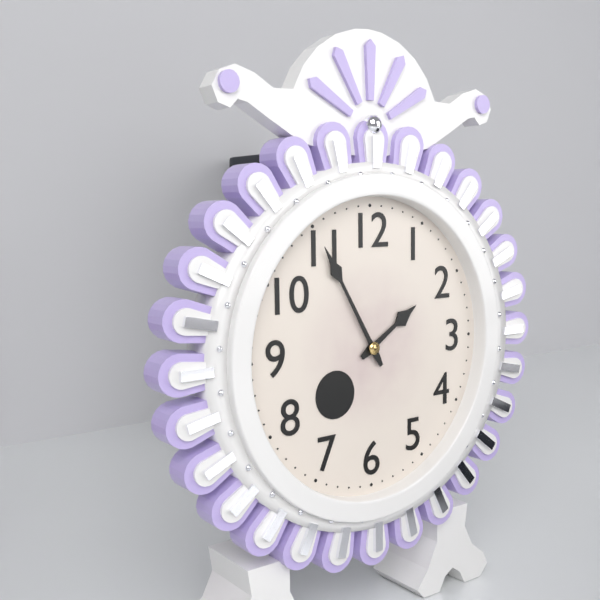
h=1 m=55
